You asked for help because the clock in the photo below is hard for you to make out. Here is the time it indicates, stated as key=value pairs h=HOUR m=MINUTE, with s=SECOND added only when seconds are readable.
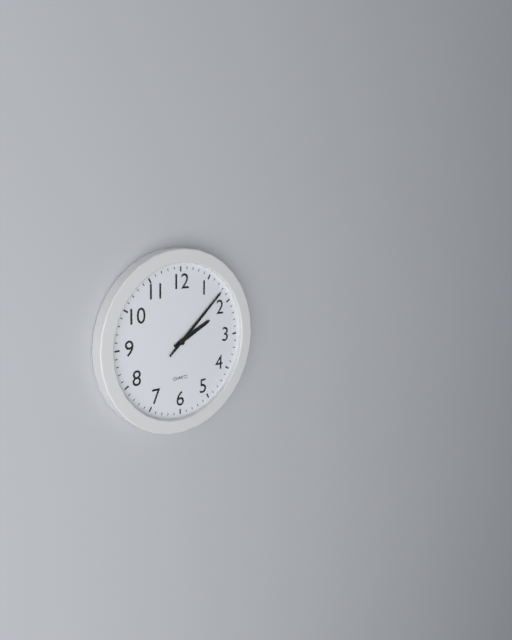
h=2 m=8
